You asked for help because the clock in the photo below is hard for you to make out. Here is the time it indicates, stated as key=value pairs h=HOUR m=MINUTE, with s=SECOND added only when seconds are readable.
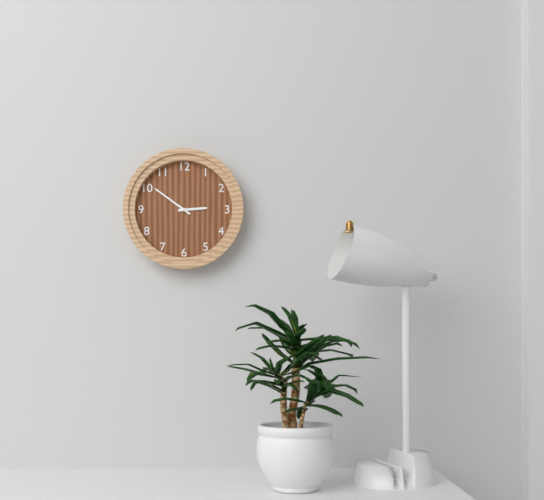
h=2 m=51
